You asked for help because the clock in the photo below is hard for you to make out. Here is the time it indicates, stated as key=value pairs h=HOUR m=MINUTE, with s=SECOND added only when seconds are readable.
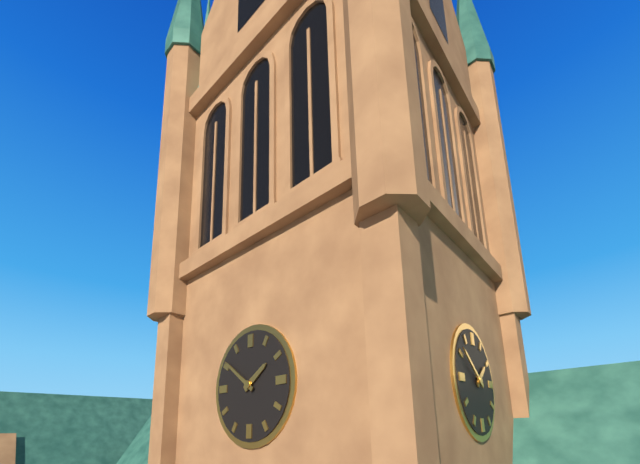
h=1 m=51
